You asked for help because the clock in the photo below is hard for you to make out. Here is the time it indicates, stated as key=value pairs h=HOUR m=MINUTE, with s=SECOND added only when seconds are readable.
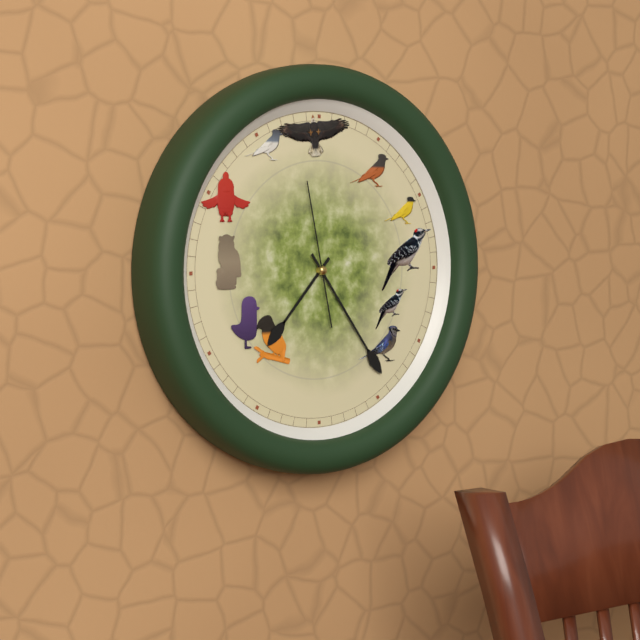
h=7 m=24 s=58
